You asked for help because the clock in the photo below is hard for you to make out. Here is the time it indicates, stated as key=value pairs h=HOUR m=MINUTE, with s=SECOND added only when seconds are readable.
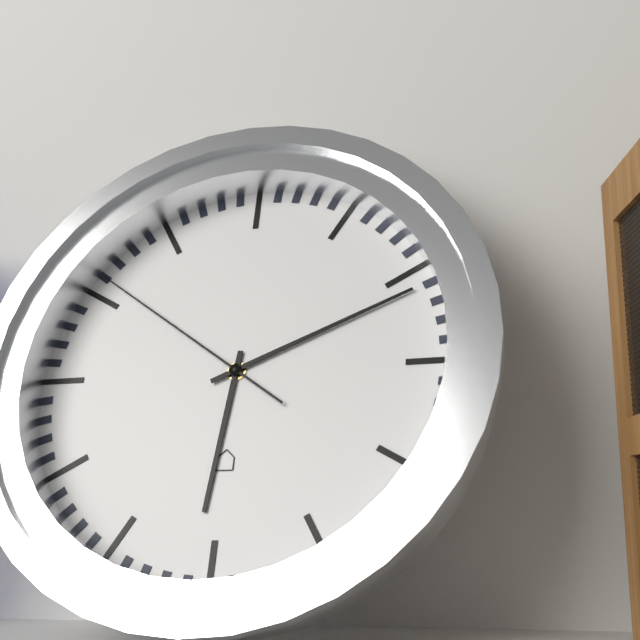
h=6 m=11 s=51
